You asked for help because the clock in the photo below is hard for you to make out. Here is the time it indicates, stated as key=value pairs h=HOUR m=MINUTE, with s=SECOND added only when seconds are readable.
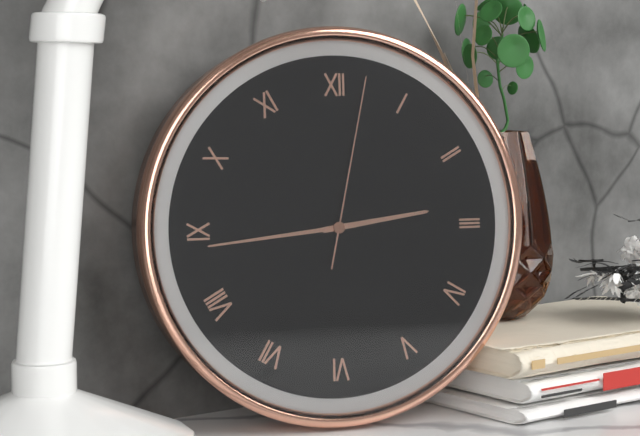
h=2 m=44 s=2
